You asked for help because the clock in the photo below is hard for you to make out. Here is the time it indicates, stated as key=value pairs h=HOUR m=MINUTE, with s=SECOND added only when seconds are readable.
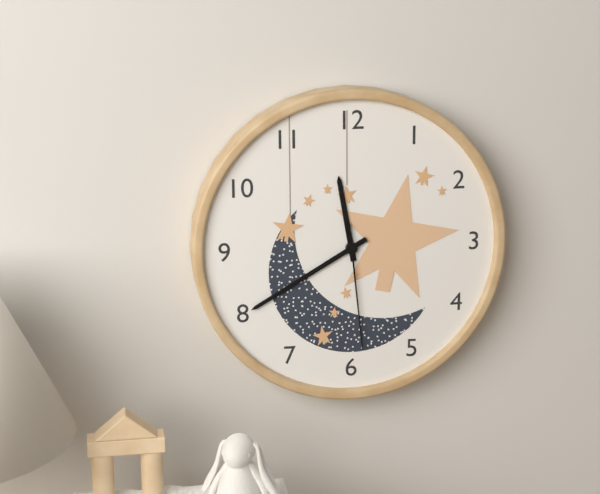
h=11 m=40 s=29
